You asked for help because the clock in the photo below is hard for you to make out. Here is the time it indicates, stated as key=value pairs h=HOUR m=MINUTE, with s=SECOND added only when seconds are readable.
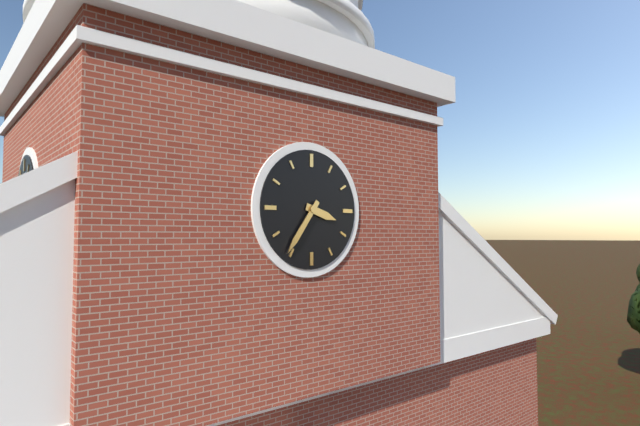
h=3 m=36
